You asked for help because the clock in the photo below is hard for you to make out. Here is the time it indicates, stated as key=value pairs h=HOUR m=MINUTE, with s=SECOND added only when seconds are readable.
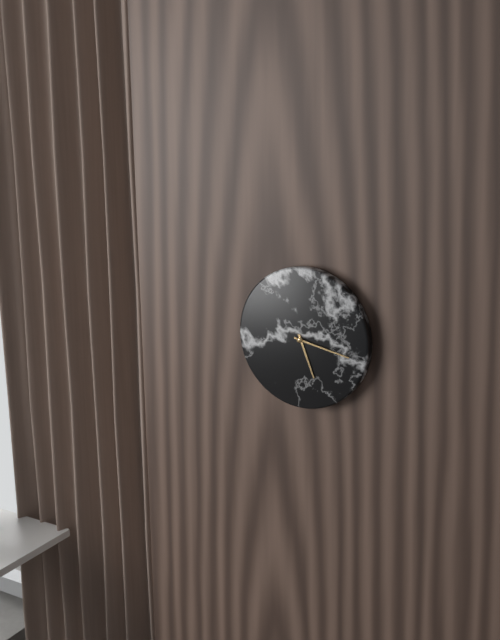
h=5 m=17
